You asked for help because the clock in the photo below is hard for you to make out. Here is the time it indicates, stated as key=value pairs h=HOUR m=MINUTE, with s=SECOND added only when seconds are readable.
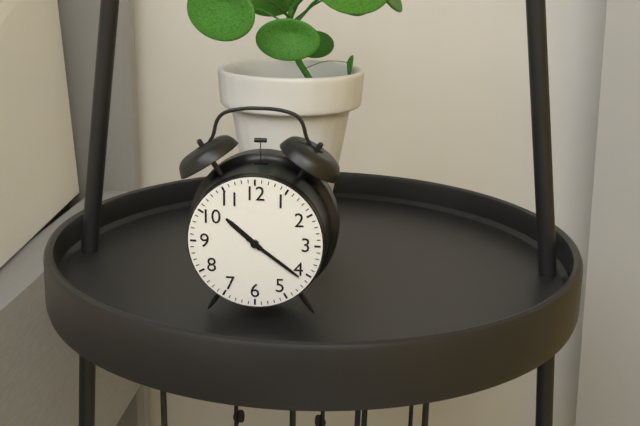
h=10 m=21
